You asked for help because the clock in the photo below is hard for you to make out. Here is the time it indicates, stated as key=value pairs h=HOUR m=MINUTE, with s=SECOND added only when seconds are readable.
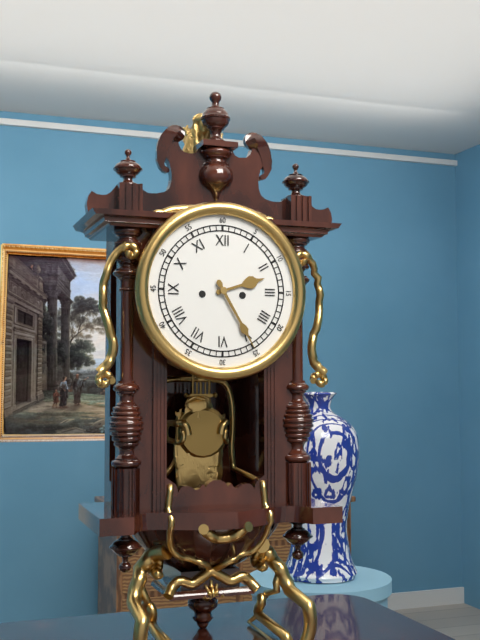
h=2 m=25
